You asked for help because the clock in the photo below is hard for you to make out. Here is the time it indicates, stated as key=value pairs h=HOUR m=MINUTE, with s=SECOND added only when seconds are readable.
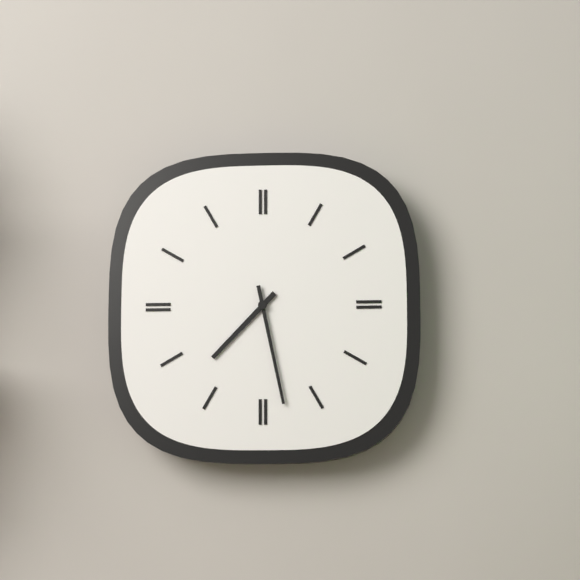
h=7 m=28
